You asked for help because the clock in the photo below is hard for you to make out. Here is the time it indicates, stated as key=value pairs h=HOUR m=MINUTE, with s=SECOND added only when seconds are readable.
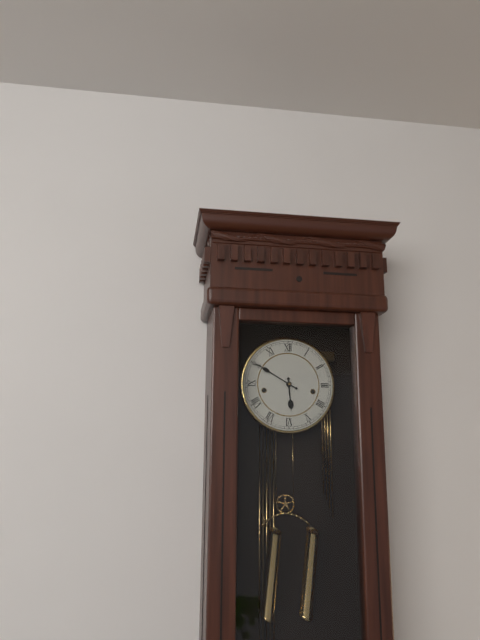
h=5 m=50
